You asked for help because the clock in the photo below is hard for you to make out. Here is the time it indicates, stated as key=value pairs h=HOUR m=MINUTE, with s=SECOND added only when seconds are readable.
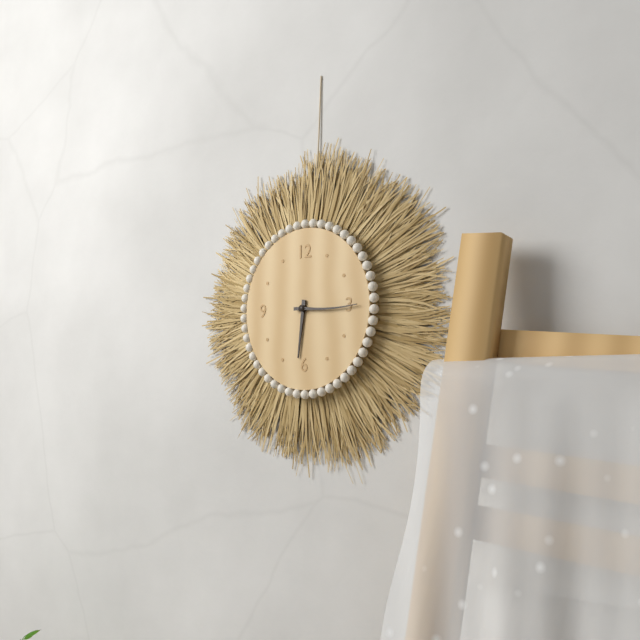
h=6 m=15
